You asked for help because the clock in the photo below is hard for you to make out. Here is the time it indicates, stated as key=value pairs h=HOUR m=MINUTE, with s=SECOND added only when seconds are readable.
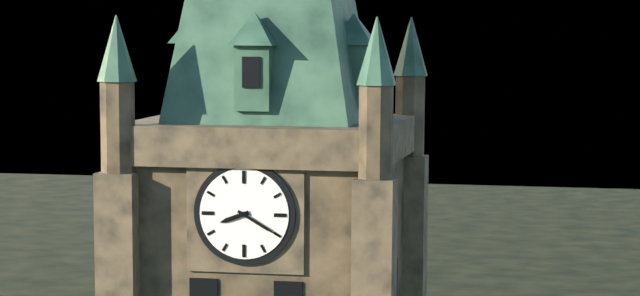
h=8 m=20
